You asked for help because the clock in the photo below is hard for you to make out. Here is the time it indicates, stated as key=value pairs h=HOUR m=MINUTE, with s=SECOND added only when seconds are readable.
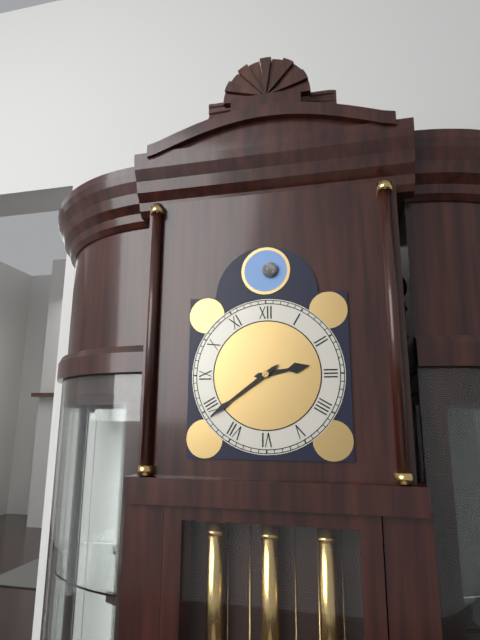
h=2 m=39
